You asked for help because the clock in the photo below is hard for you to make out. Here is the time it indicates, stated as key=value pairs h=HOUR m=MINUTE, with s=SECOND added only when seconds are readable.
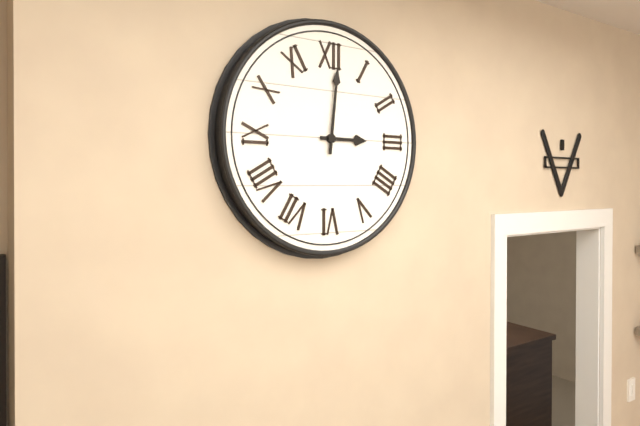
h=3 m=1
